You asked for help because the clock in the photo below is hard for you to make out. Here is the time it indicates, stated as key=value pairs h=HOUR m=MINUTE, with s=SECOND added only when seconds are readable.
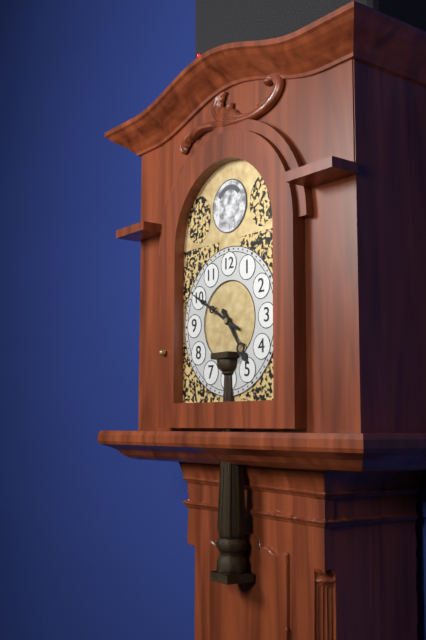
h=4 m=50
